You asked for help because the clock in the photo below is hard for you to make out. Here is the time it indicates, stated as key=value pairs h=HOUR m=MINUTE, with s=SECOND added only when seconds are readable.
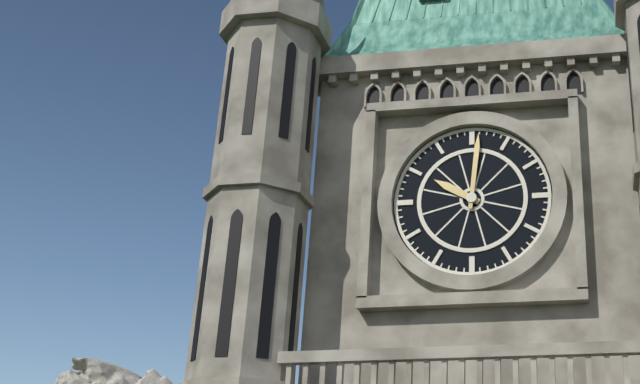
h=10 m=1
